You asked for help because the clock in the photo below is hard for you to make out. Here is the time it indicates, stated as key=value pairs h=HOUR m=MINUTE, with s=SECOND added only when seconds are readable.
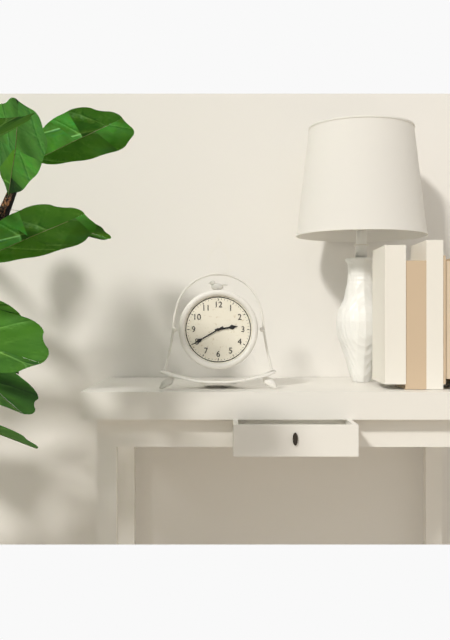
h=2 m=40
